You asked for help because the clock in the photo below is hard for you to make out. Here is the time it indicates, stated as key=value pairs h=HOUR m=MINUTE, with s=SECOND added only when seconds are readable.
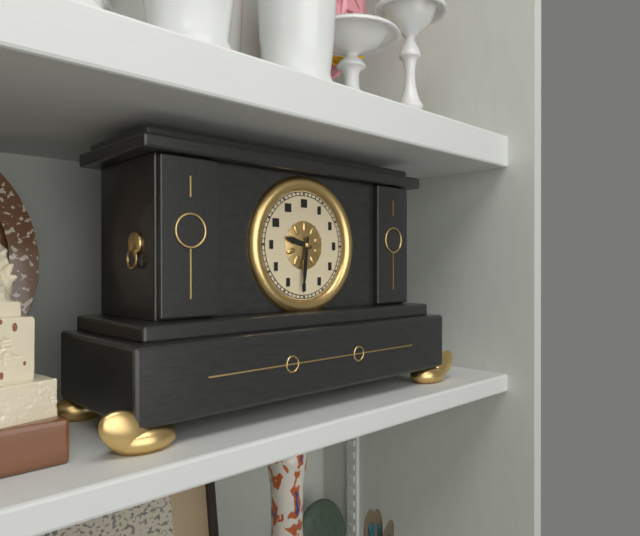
h=9 m=31
